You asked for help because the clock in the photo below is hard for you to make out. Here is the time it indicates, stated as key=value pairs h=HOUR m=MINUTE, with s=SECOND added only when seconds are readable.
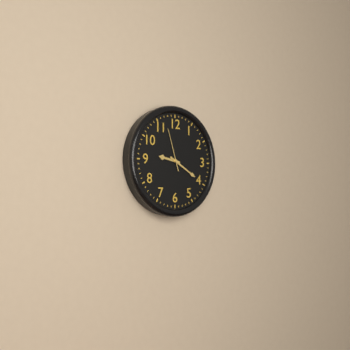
h=9 m=20
